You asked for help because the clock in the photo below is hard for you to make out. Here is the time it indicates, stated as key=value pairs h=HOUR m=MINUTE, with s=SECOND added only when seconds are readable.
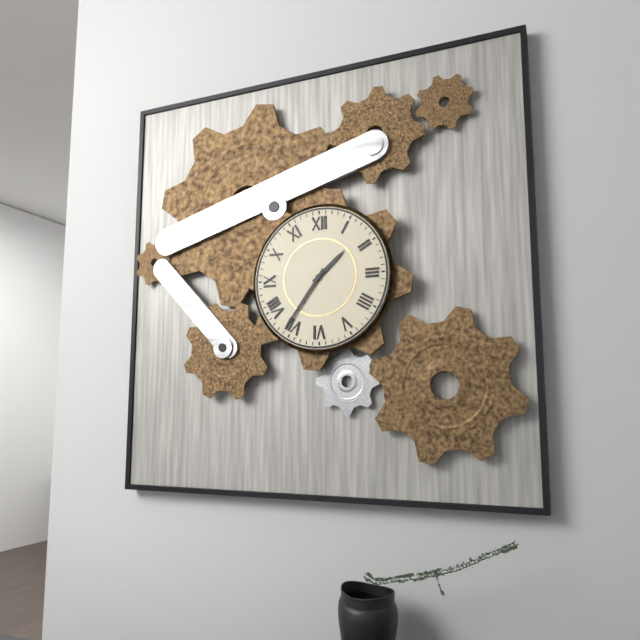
h=1 m=36
